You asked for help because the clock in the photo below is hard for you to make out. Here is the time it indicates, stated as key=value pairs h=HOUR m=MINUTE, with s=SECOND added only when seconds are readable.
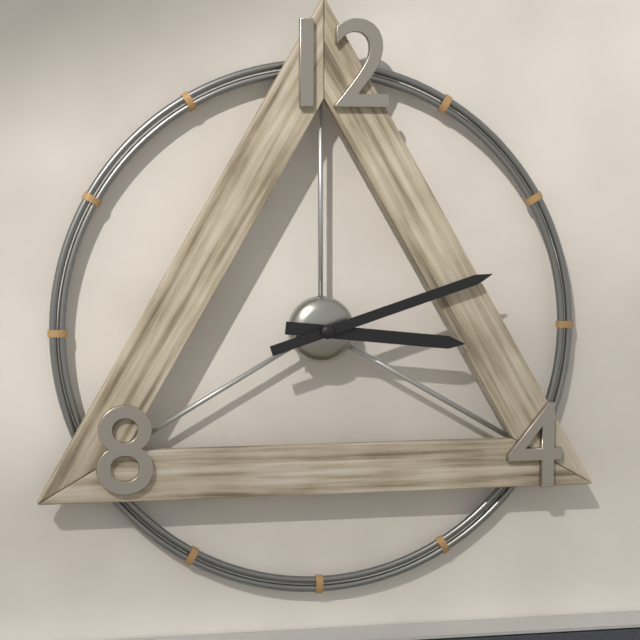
h=3 m=12
